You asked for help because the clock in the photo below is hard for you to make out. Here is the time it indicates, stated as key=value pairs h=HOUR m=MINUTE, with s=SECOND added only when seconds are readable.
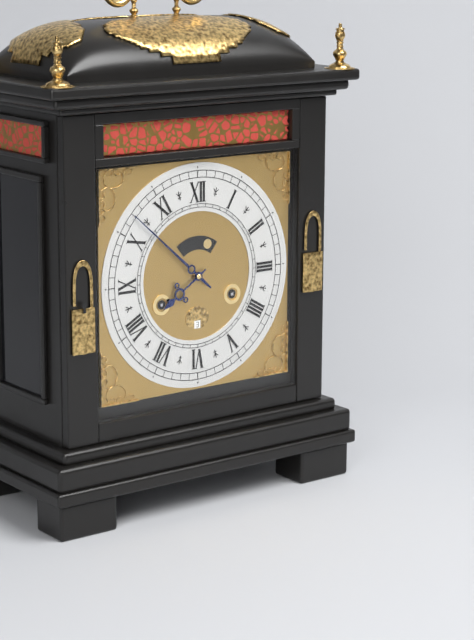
h=7 m=52
